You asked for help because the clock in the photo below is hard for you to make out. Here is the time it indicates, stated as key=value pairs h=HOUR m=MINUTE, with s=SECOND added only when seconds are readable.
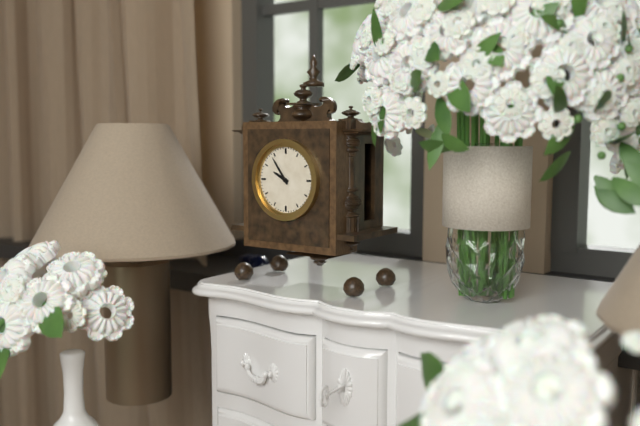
h=9 m=54
